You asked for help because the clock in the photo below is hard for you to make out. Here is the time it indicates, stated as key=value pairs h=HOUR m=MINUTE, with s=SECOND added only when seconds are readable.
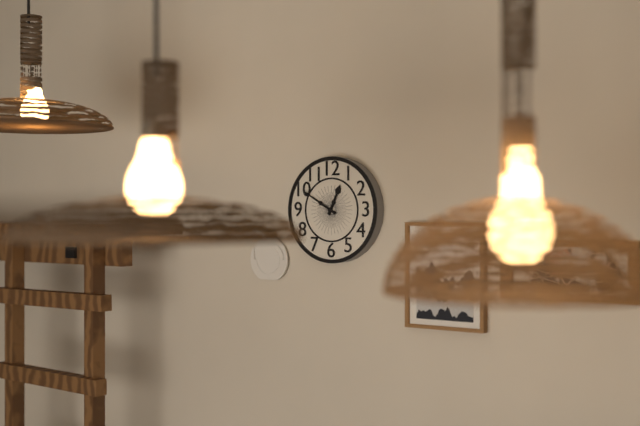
h=12 m=50
